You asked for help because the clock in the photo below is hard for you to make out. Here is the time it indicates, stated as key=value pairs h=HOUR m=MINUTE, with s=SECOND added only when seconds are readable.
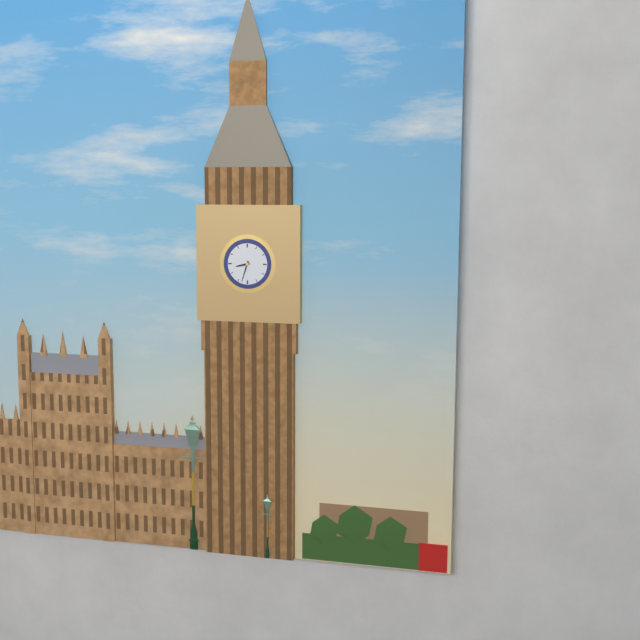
h=8 m=33
